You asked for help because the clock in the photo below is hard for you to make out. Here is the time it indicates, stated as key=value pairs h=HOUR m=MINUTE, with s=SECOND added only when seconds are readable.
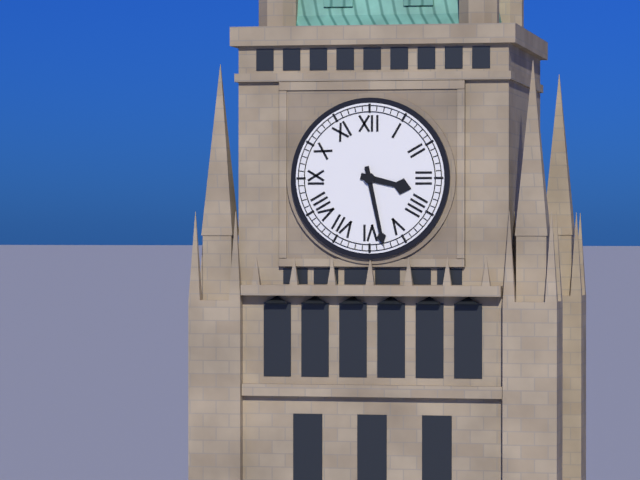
h=3 m=28
